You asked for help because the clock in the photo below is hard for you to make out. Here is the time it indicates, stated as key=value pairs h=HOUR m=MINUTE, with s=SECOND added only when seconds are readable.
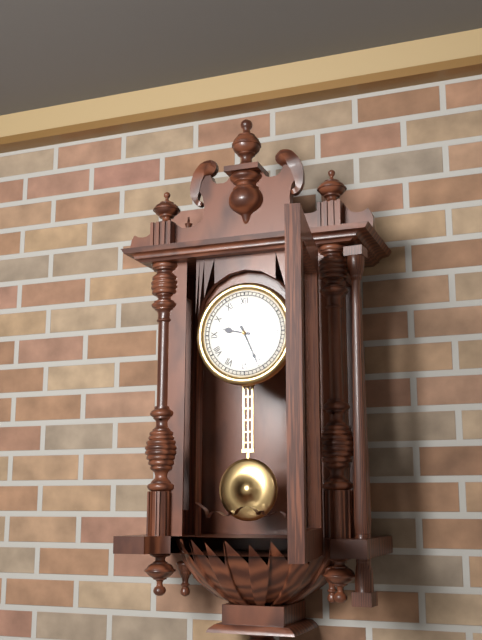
h=9 m=26
